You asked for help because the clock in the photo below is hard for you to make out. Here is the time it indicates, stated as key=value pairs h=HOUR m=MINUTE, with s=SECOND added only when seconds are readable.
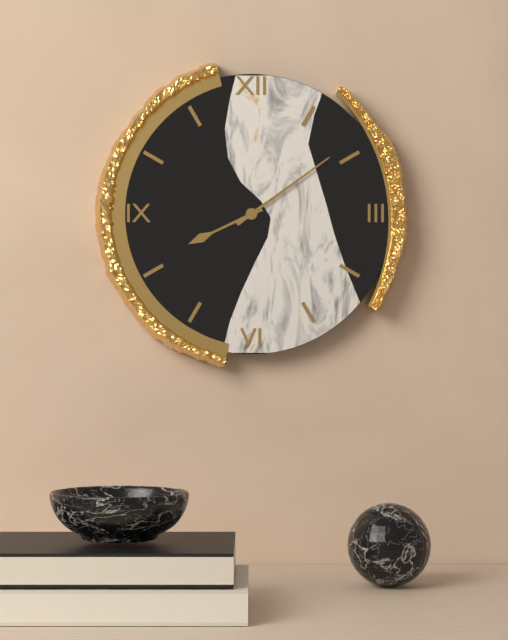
h=8 m=9
